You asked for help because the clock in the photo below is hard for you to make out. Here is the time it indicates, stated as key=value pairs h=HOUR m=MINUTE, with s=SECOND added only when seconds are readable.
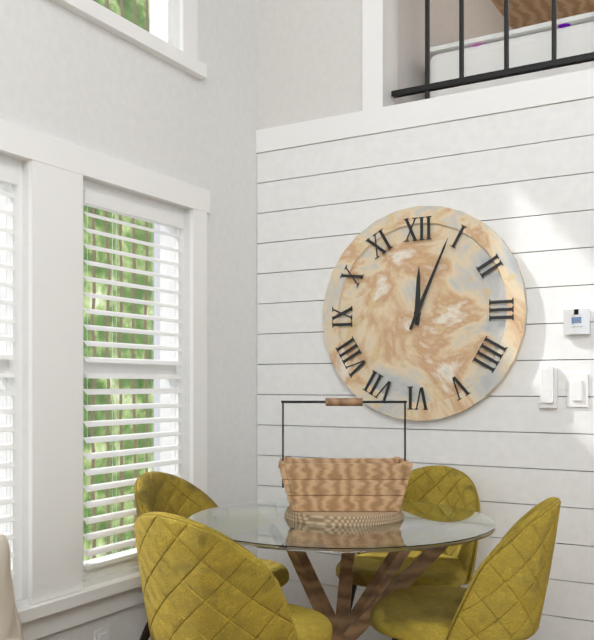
h=12 m=4
